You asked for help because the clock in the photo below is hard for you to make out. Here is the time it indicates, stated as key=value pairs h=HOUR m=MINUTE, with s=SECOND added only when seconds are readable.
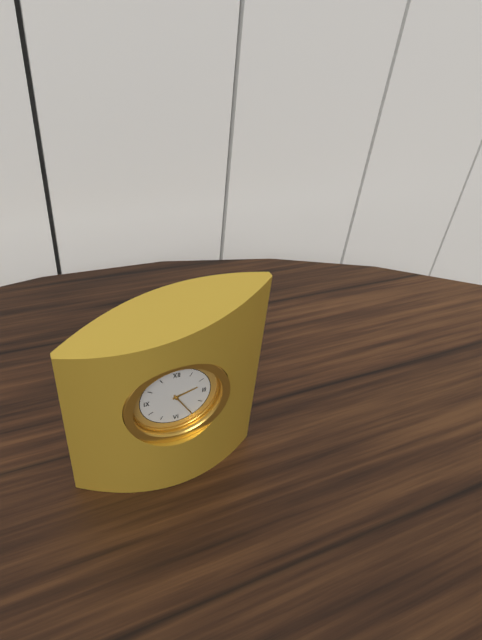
h=2 m=25
